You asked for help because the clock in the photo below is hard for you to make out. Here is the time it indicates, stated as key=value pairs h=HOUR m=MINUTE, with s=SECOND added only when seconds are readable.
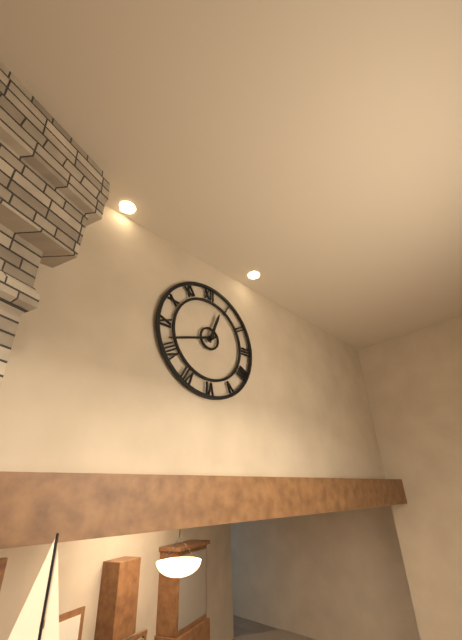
h=12 m=42
